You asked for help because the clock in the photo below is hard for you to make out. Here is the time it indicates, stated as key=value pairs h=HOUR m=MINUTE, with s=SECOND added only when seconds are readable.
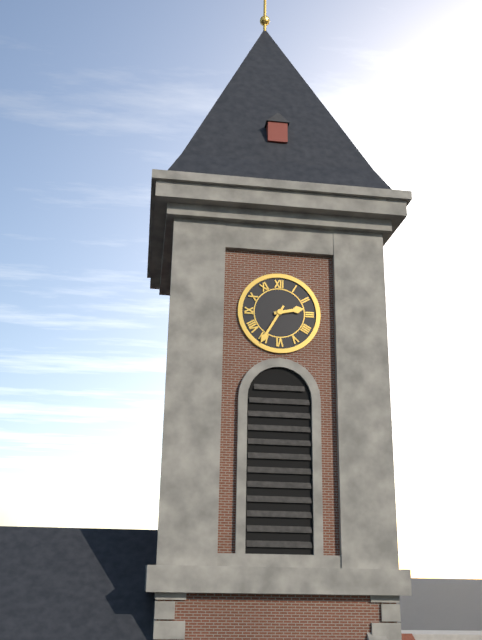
h=2 m=35
